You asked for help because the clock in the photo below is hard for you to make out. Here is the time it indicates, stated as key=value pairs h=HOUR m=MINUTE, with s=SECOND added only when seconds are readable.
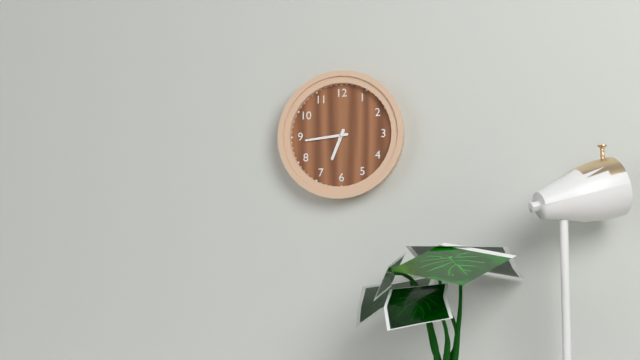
h=6 m=44
